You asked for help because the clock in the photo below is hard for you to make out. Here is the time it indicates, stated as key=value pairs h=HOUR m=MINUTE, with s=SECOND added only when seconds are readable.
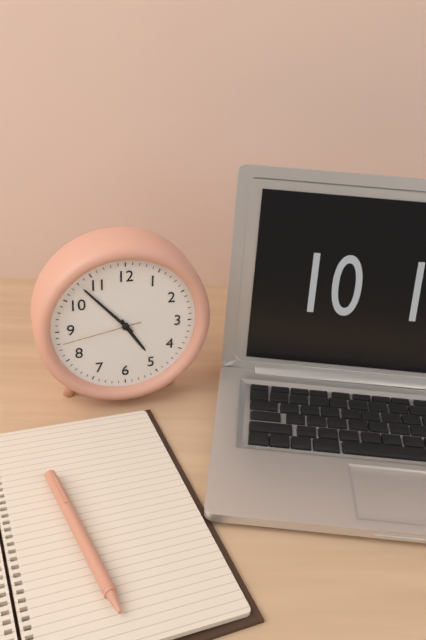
h=4 m=53 s=43
